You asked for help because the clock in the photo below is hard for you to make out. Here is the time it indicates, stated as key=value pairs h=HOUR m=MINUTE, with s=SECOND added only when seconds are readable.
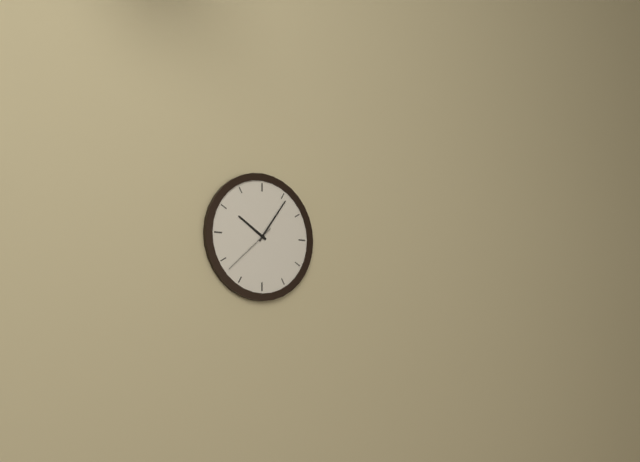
h=10 m=6 s=38
